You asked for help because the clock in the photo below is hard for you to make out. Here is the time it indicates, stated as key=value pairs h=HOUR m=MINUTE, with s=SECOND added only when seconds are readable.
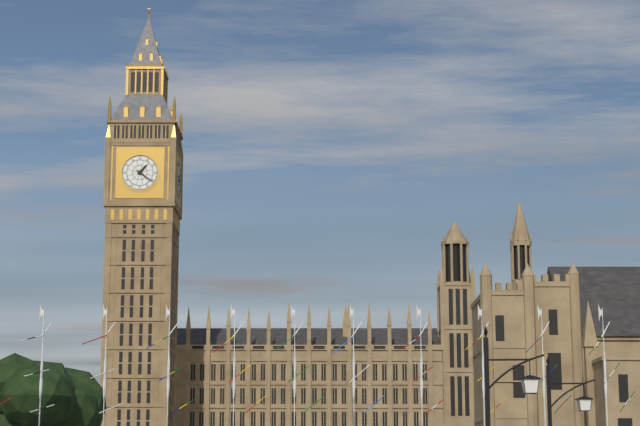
h=1 m=21
